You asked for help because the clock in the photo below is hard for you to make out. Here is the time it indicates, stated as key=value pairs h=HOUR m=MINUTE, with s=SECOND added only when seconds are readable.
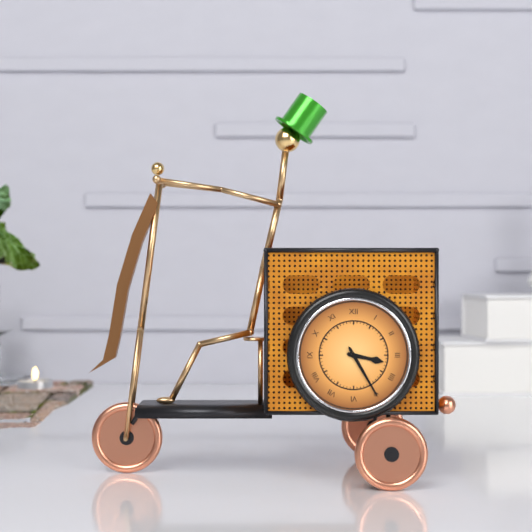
h=3 m=25
